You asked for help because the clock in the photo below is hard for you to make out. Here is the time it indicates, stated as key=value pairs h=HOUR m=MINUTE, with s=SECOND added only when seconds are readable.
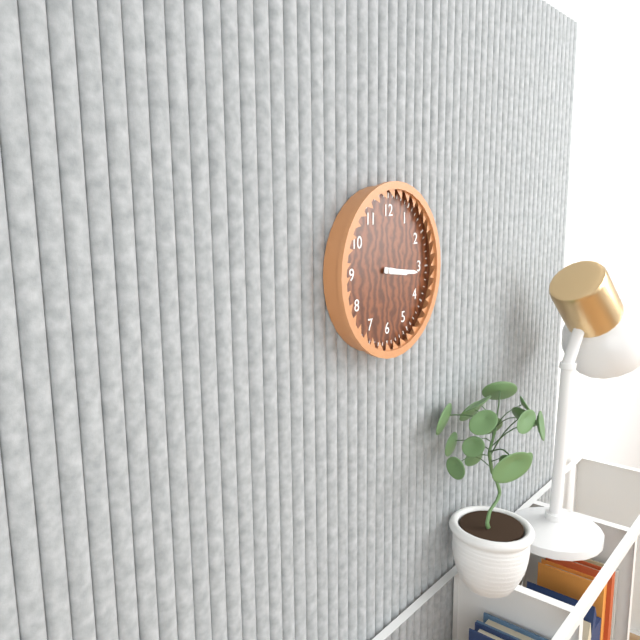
h=3 m=16
